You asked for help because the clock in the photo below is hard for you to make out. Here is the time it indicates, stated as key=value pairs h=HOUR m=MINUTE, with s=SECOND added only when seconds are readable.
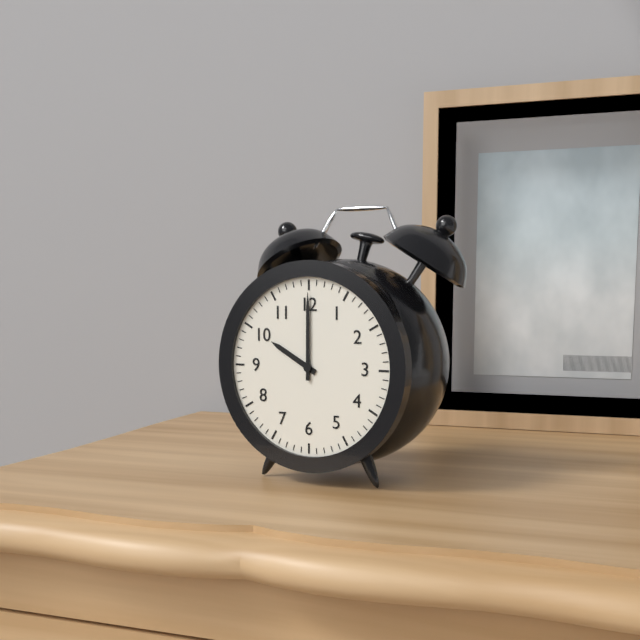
h=10 m=0
